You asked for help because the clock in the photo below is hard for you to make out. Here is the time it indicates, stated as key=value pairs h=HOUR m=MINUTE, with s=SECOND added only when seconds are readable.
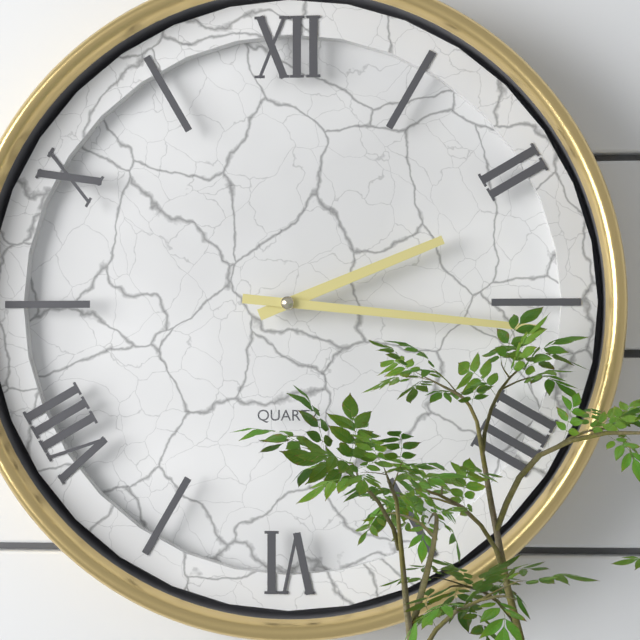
h=2 m=16
